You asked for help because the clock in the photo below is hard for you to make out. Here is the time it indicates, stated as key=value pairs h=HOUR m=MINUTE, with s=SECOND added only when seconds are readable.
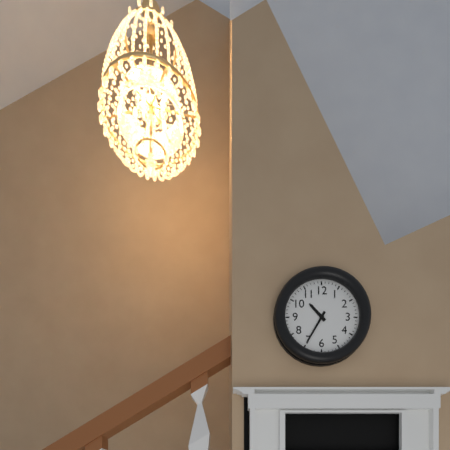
h=10 m=35
